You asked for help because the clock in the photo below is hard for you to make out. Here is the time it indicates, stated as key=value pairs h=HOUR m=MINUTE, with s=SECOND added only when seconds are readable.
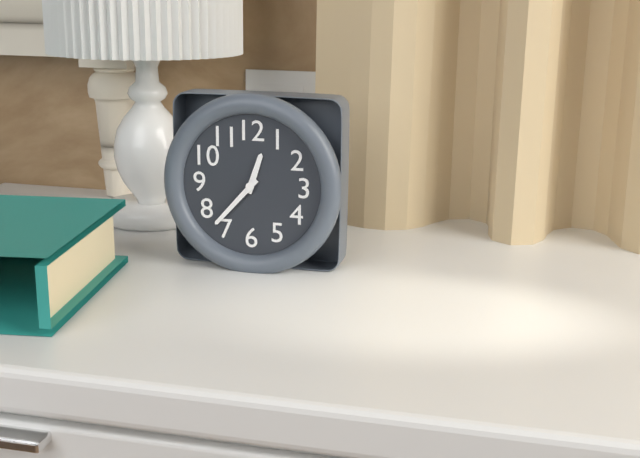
h=12 m=37
